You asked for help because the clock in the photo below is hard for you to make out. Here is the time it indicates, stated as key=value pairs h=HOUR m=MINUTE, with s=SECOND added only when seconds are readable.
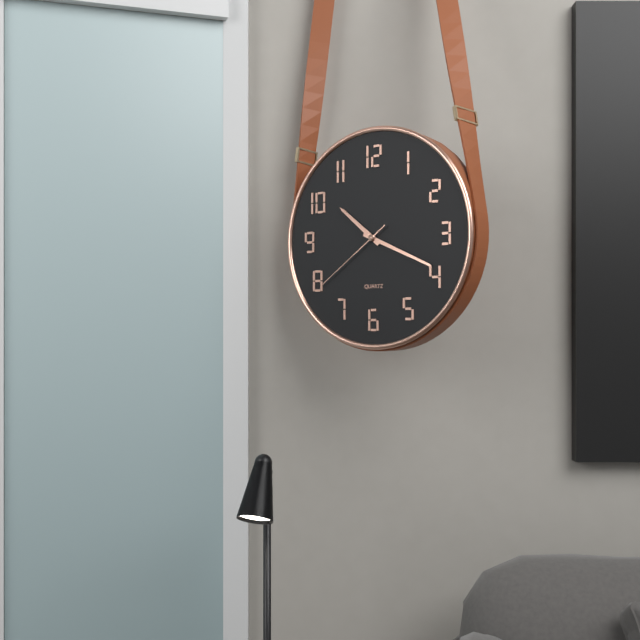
h=10 m=19 s=39
